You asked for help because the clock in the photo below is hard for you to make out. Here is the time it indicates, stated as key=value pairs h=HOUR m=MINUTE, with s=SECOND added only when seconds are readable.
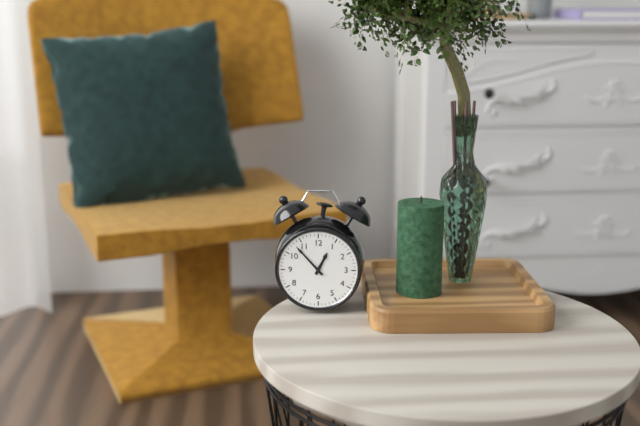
h=12 m=53
